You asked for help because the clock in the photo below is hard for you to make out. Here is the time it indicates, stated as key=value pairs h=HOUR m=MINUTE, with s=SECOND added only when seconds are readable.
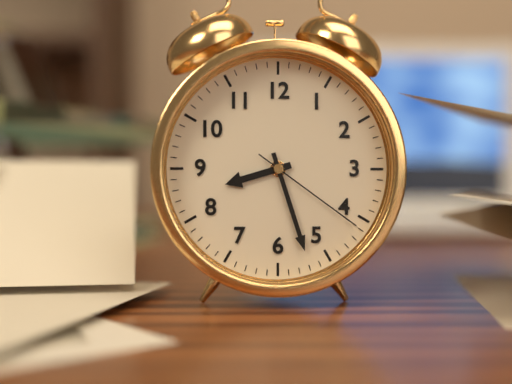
h=8 m=27 s=21
